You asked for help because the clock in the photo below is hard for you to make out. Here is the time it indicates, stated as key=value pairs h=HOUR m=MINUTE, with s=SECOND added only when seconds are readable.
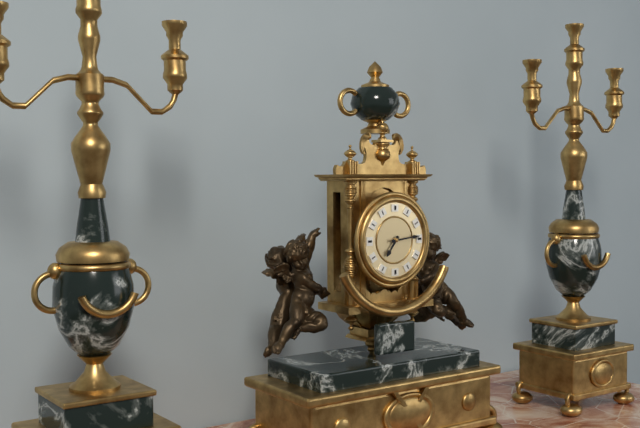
h=7 m=14
